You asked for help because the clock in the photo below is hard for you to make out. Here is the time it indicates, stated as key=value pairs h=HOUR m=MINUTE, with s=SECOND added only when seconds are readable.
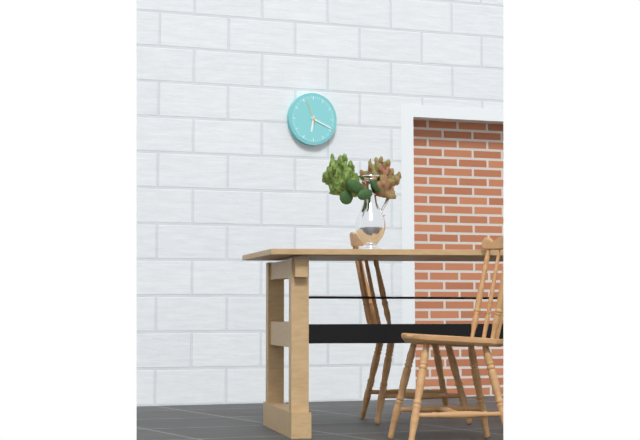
h=6 m=19
